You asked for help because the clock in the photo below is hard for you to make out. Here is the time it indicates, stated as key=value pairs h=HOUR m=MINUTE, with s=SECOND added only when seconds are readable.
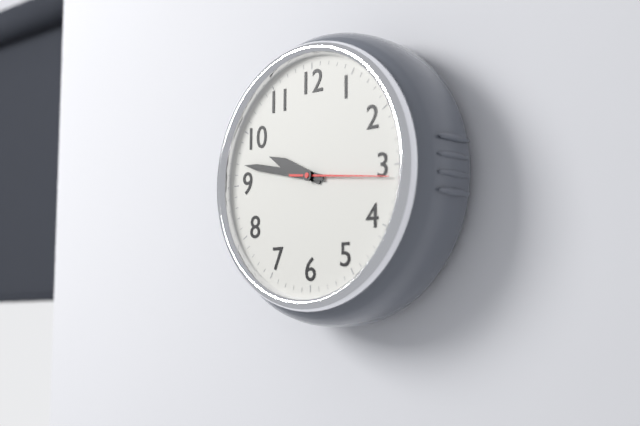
h=9 m=47
